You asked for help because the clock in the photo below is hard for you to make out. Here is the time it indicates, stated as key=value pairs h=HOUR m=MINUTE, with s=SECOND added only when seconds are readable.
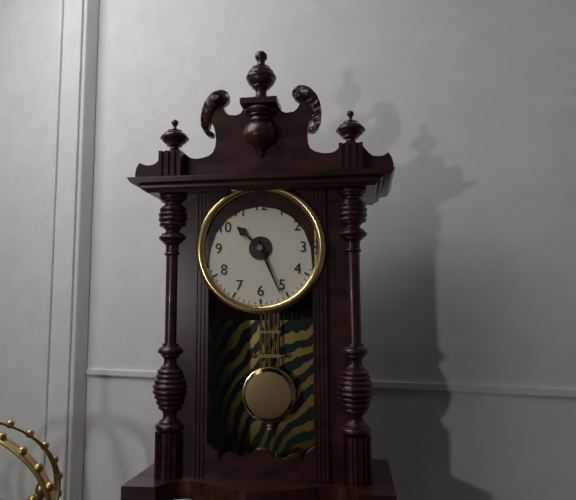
h=10 m=26
